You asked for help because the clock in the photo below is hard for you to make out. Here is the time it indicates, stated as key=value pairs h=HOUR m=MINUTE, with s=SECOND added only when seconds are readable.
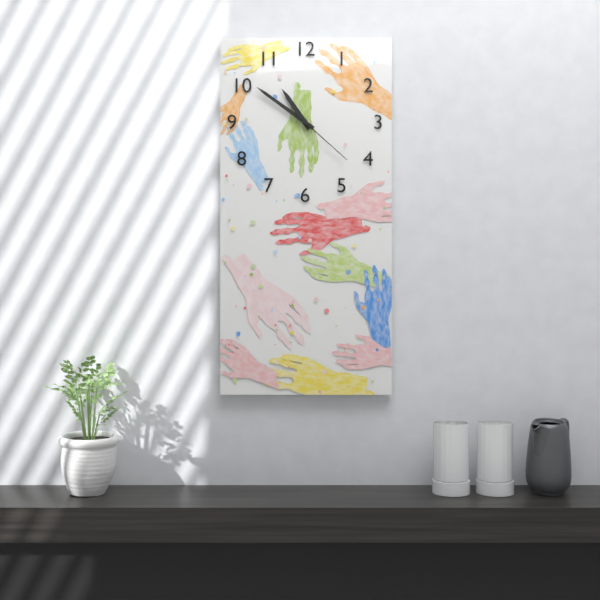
h=10 m=51 s=22
